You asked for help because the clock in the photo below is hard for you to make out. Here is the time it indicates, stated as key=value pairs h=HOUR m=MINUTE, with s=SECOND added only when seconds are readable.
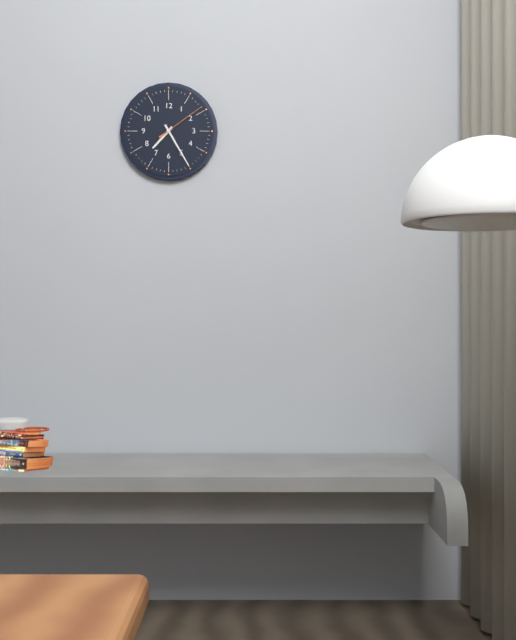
h=7 m=25 s=9
